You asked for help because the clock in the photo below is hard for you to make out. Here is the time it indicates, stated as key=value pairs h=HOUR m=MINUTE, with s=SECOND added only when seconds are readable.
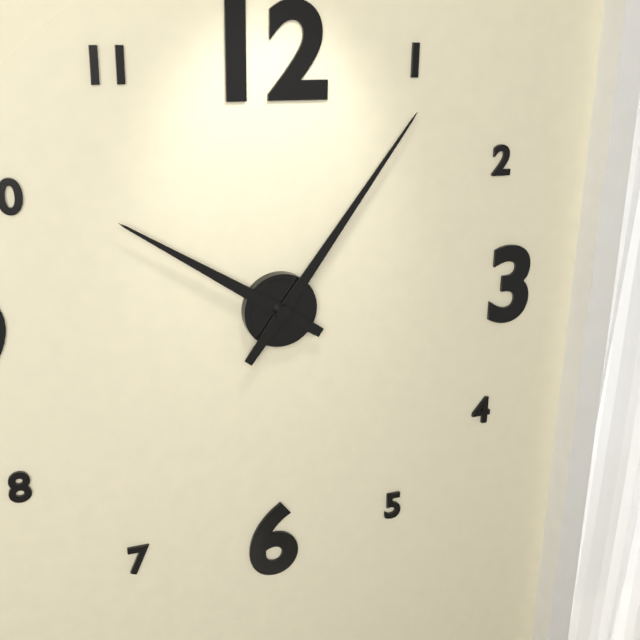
h=10 m=6
